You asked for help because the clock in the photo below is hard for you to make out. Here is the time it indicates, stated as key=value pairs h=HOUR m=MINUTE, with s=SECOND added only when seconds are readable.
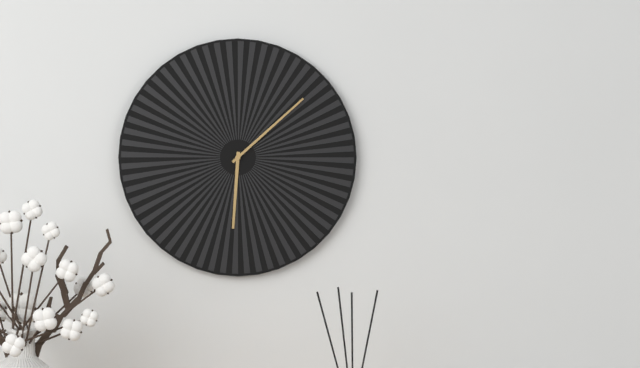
h=6 m=8
